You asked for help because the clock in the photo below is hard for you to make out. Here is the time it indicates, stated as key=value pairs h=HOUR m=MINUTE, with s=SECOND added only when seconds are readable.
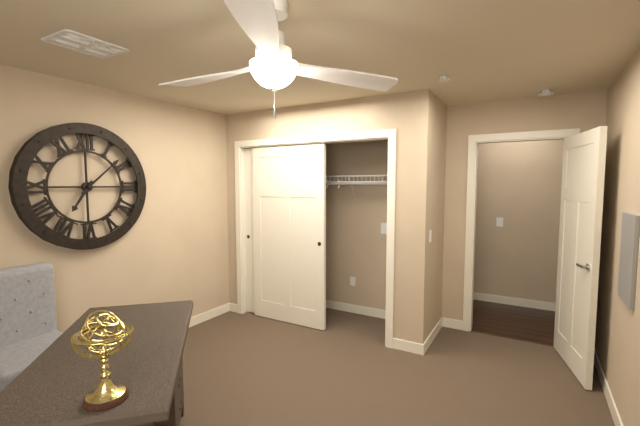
h=7 m=8
